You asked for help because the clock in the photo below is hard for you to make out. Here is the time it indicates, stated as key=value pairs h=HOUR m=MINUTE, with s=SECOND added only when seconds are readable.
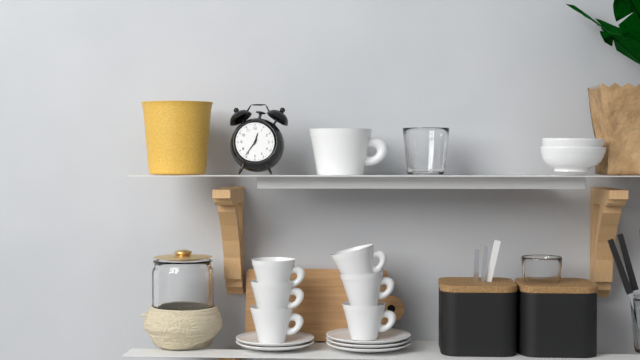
h=12 m=36
